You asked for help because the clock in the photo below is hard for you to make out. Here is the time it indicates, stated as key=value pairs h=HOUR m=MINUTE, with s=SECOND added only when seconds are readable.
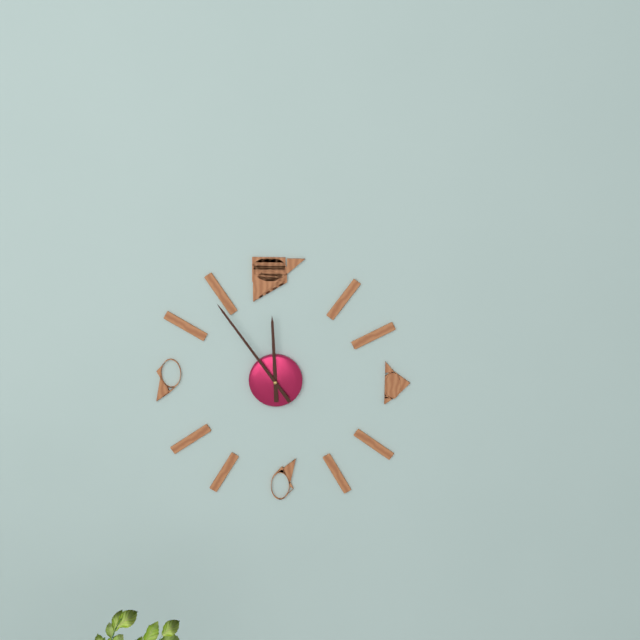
h=11 m=54
